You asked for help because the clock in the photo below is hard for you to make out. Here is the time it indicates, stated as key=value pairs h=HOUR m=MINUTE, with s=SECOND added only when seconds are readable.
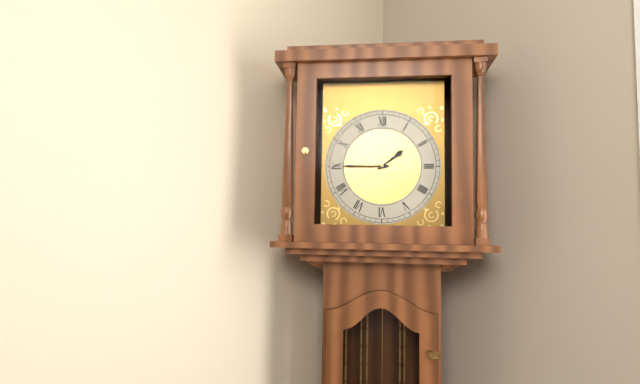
h=1 m=45
